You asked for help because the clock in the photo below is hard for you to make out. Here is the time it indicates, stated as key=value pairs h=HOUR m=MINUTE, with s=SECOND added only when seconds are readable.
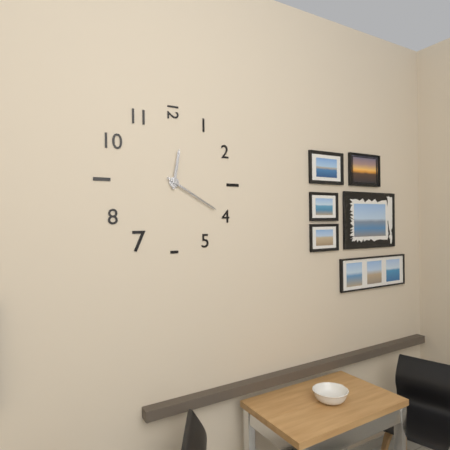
h=12 m=20
